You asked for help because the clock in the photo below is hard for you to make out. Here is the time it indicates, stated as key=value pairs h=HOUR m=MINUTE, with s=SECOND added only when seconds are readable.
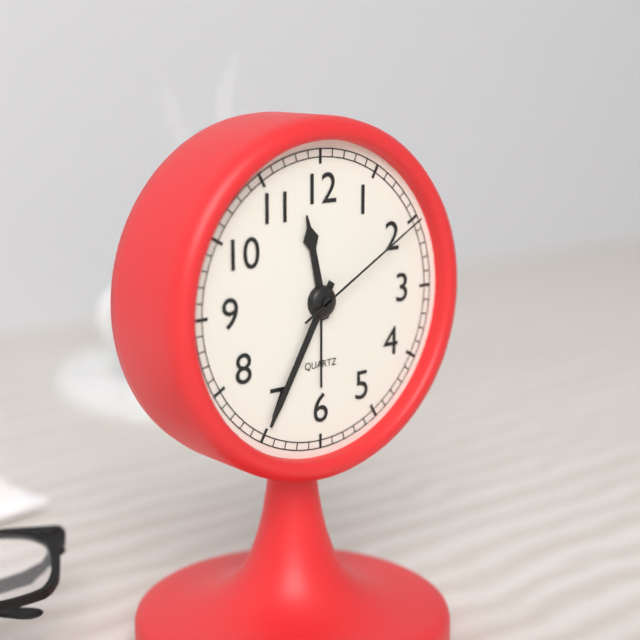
h=11 m=35 s=10
